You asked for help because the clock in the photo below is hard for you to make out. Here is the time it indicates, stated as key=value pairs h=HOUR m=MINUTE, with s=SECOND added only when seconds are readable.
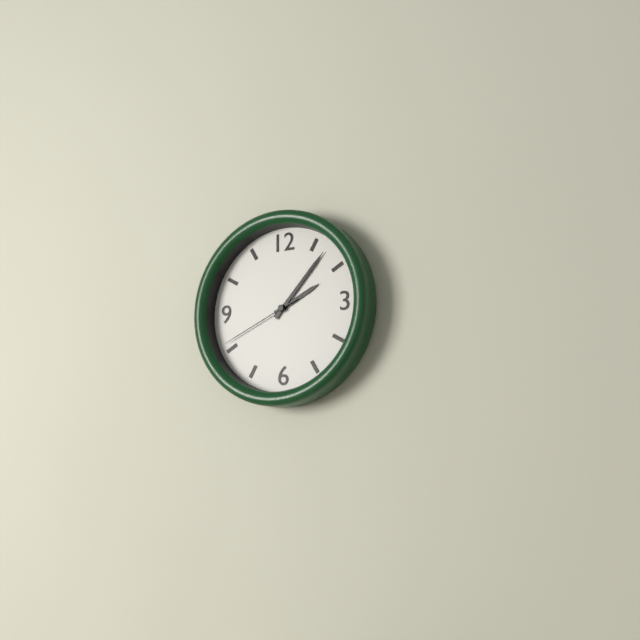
h=2 m=7 s=41
